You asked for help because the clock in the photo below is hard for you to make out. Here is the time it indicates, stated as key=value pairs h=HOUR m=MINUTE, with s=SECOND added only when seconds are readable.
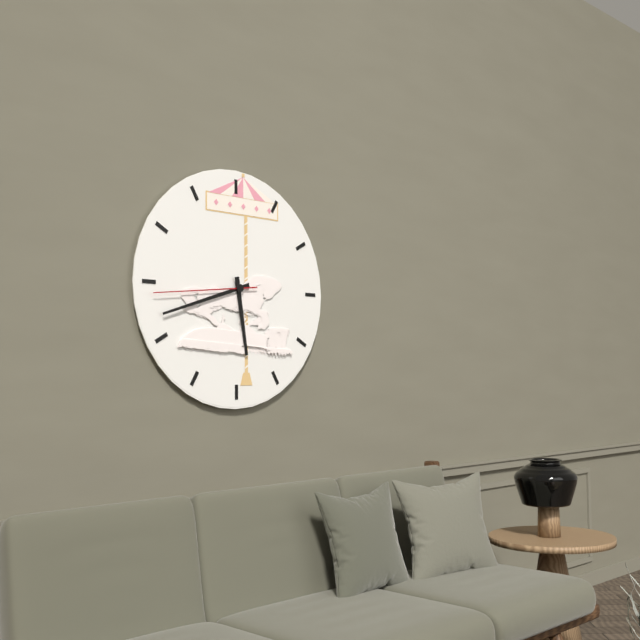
h=5 m=42 s=44
